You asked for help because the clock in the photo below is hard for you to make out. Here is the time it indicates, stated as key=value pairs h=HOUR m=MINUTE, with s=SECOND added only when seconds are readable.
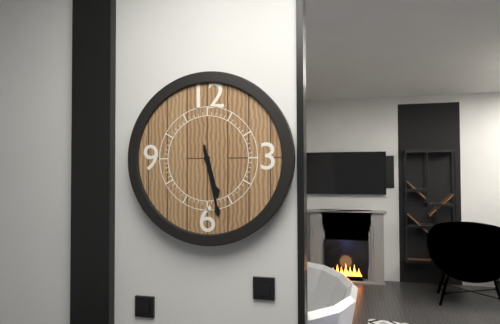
h=5 m=28
